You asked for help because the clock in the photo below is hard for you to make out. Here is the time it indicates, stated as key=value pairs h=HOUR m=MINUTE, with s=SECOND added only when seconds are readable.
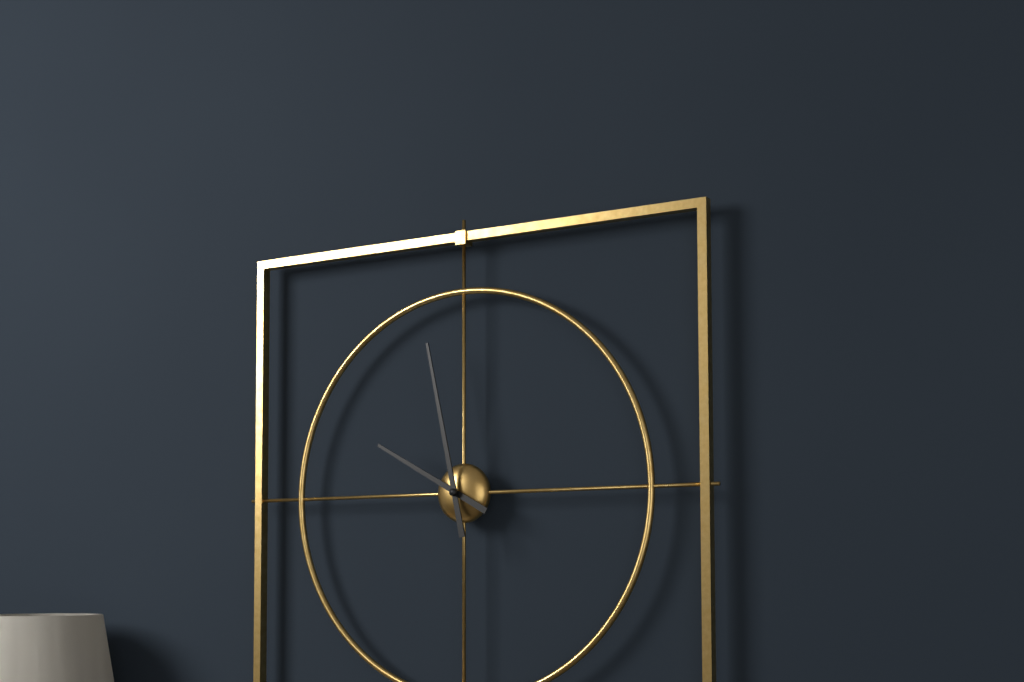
h=9 m=58
